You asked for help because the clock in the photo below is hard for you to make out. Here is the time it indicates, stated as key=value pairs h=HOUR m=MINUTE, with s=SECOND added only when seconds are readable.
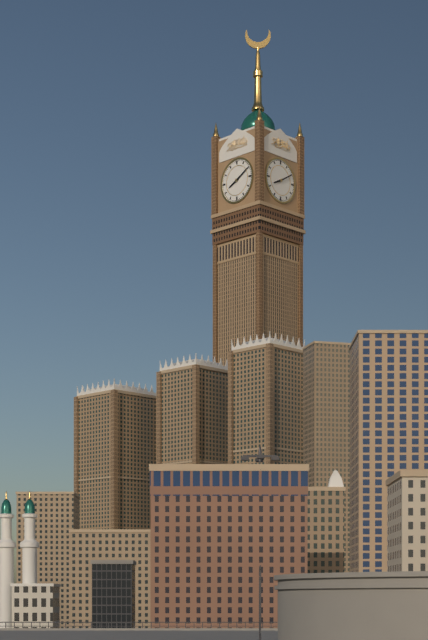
h=8 m=10
